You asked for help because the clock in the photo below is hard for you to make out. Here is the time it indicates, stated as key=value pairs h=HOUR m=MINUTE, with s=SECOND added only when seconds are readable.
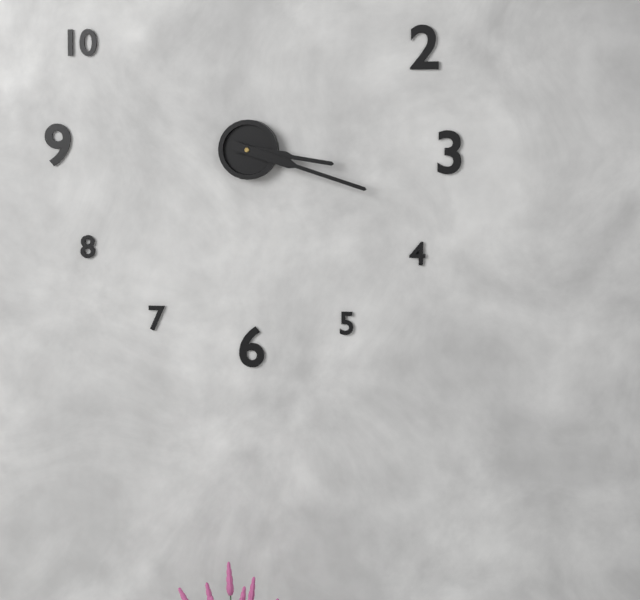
h=3 m=18
